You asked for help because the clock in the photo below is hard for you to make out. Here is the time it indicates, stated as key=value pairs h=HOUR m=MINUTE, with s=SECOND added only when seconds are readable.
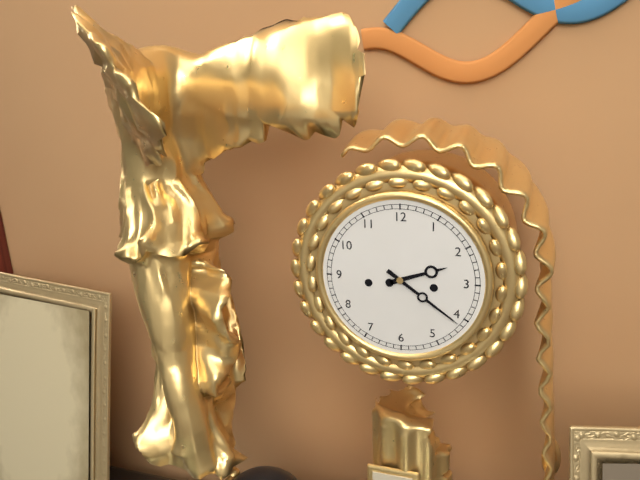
h=2 m=21
